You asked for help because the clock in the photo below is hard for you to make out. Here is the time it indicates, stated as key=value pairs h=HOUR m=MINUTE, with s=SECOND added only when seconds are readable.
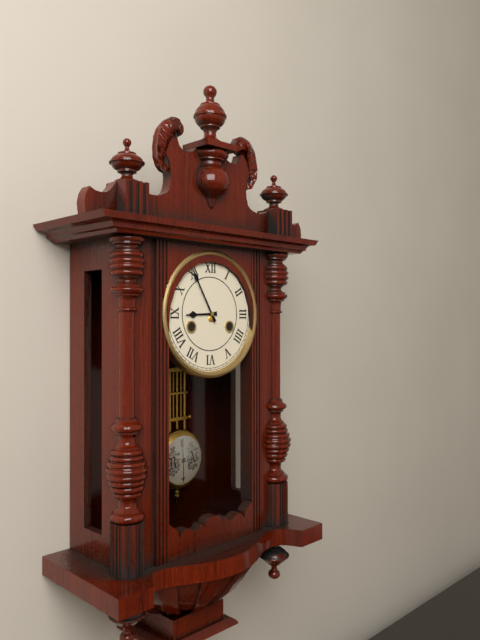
h=8 m=55
